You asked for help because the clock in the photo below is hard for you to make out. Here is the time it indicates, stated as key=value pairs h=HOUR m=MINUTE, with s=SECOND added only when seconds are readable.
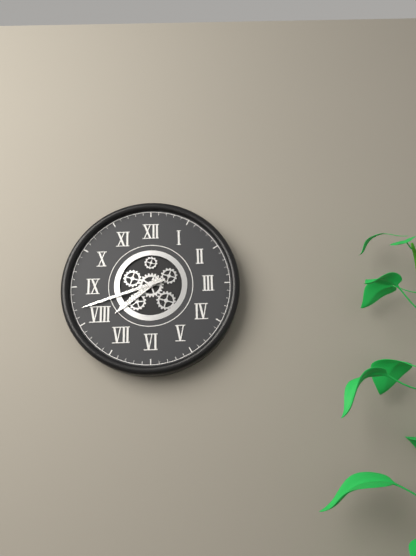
h=7 m=42
